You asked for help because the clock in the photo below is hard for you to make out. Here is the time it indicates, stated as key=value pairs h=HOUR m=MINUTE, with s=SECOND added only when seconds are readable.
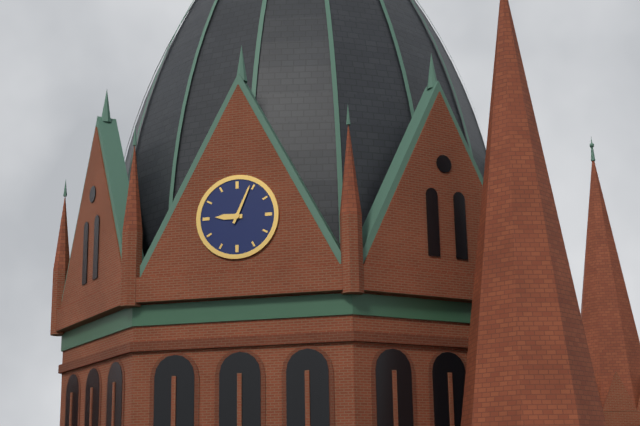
h=9 m=4
